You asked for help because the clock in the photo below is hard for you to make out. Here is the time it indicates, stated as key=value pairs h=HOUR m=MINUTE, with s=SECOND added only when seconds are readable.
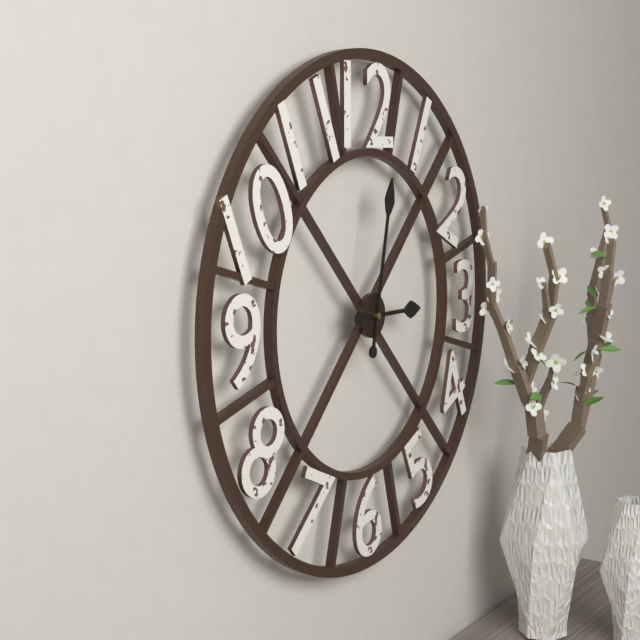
h=3 m=2
